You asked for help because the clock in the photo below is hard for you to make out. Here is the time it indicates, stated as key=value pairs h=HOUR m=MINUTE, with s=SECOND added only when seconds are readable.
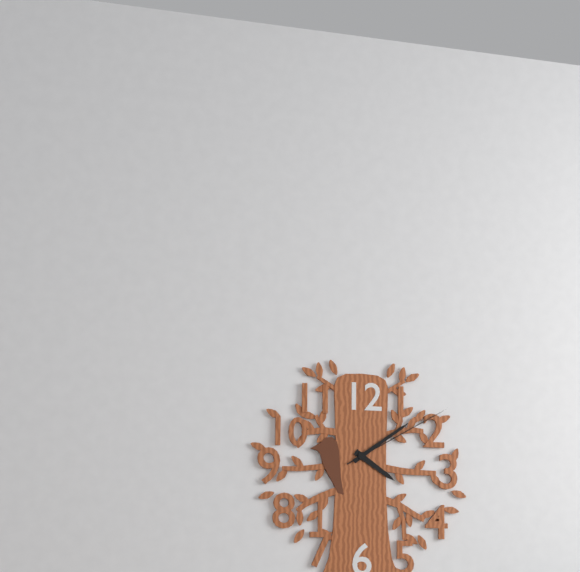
h=4 m=9 s=10
